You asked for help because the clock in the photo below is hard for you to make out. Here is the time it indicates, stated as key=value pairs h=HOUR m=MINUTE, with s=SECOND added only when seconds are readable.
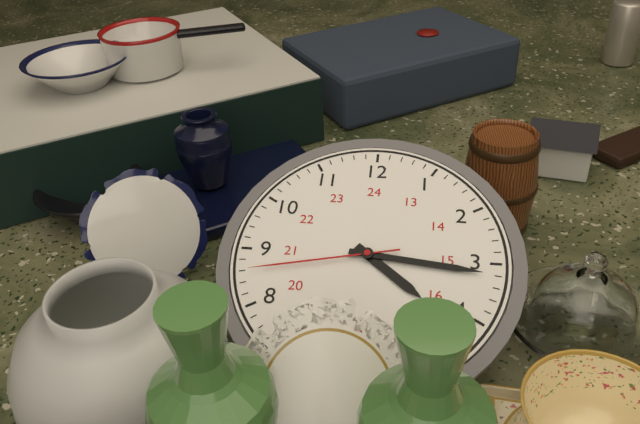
h=4 m=16 s=43
